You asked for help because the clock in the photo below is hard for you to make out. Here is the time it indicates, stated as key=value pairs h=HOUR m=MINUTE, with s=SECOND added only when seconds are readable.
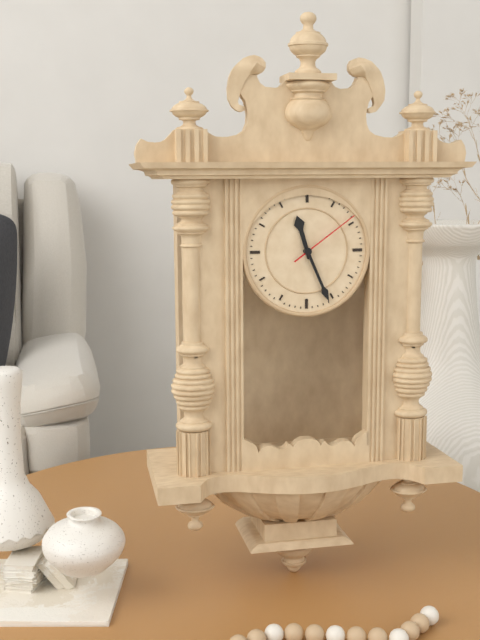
h=11 m=26 s=9
